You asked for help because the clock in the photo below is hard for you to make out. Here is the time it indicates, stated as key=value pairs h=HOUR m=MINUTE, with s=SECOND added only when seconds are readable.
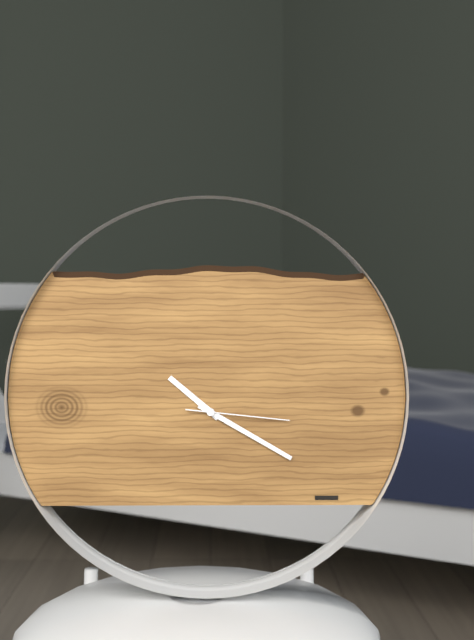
h=10 m=20 s=16
